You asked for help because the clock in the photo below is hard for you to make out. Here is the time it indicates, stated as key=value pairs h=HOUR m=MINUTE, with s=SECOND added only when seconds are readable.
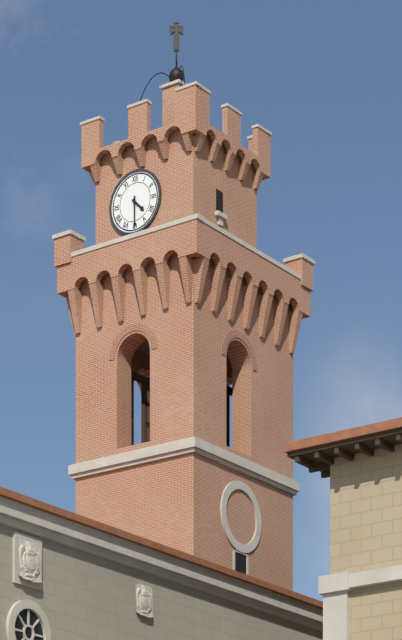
h=4 m=30
